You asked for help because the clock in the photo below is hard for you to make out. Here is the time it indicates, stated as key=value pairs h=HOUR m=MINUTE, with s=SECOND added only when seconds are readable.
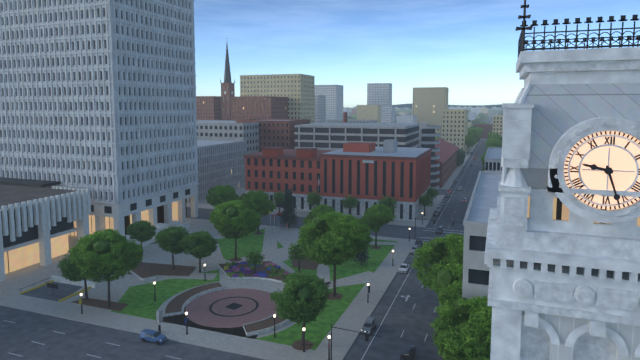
h=9 m=27
